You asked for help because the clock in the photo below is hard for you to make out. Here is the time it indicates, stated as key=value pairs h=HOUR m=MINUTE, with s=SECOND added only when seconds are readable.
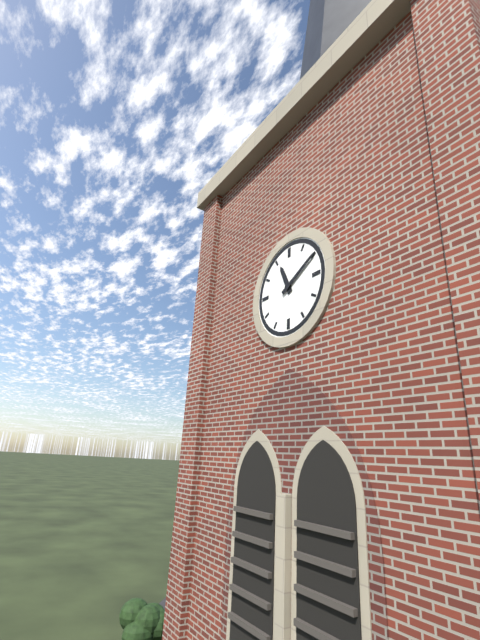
h=11 m=10
